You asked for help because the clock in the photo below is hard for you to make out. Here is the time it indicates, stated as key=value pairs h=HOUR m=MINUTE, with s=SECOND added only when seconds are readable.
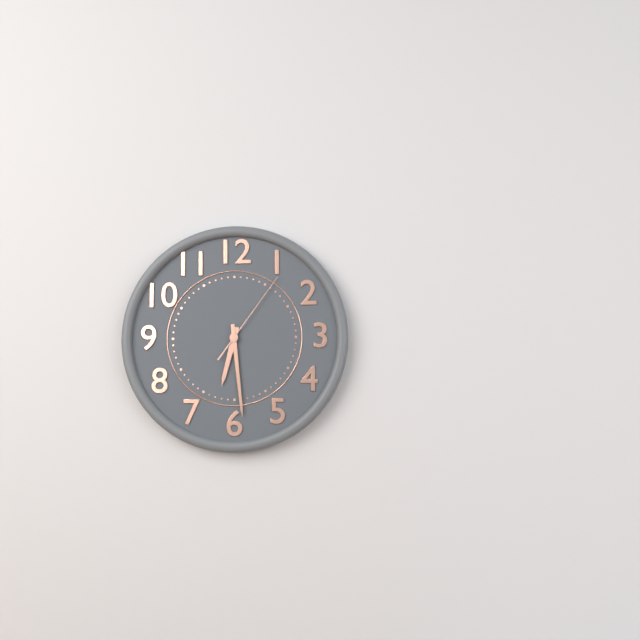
h=6 m=29 s=6
